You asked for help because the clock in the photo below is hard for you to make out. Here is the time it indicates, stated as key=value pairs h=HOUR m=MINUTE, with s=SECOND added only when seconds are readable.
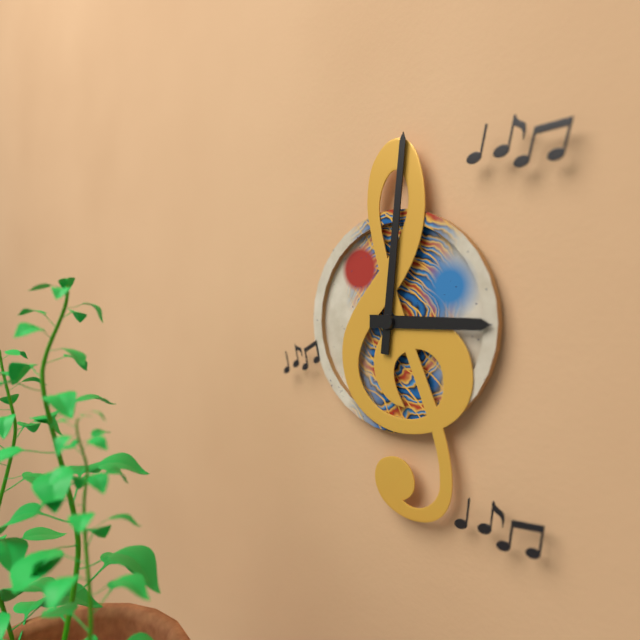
h=3 m=1
